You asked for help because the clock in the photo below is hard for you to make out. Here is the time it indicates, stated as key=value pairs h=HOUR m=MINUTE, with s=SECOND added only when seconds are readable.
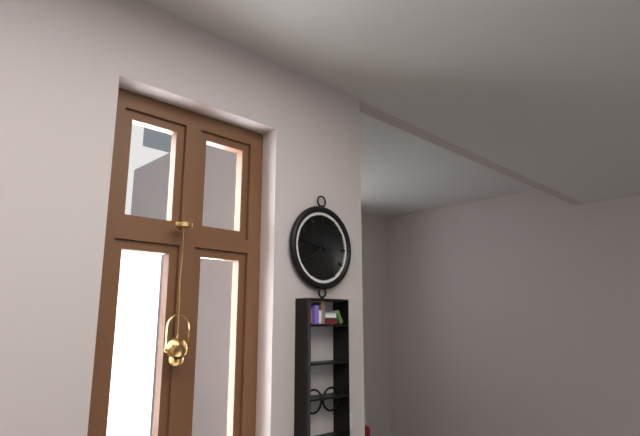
h=7 m=47
